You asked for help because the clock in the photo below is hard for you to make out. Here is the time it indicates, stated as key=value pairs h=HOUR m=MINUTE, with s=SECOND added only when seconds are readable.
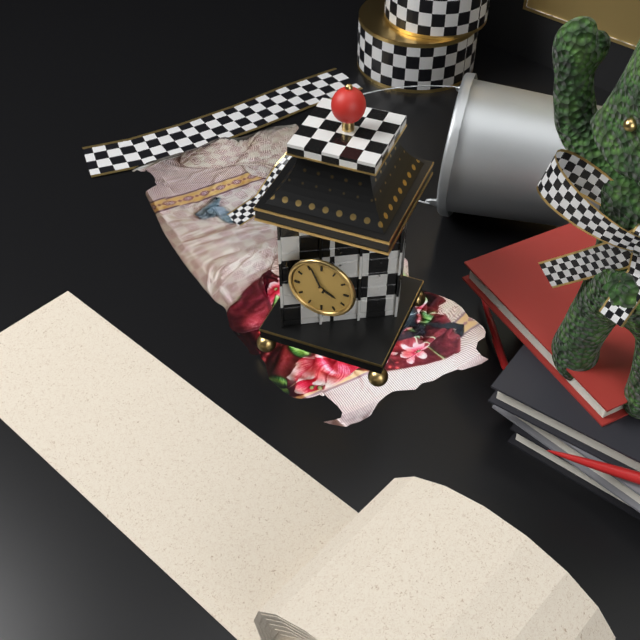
h=3 m=56
